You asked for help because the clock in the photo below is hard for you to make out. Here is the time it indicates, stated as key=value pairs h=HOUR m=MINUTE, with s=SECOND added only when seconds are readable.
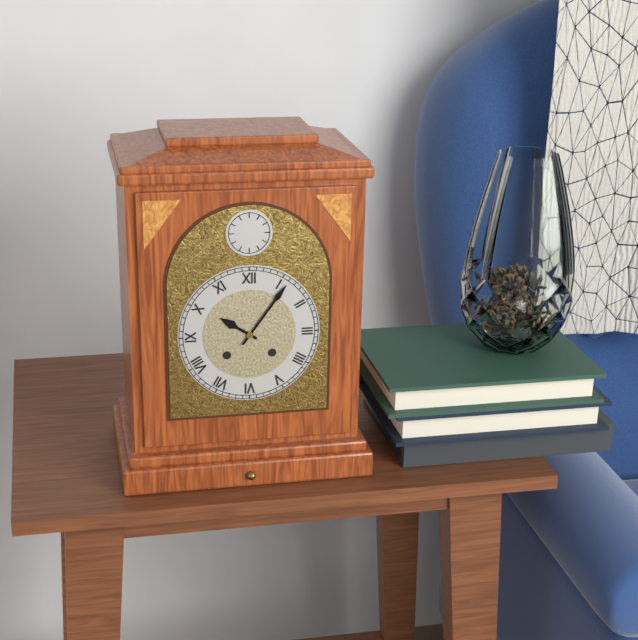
h=10 m=6
